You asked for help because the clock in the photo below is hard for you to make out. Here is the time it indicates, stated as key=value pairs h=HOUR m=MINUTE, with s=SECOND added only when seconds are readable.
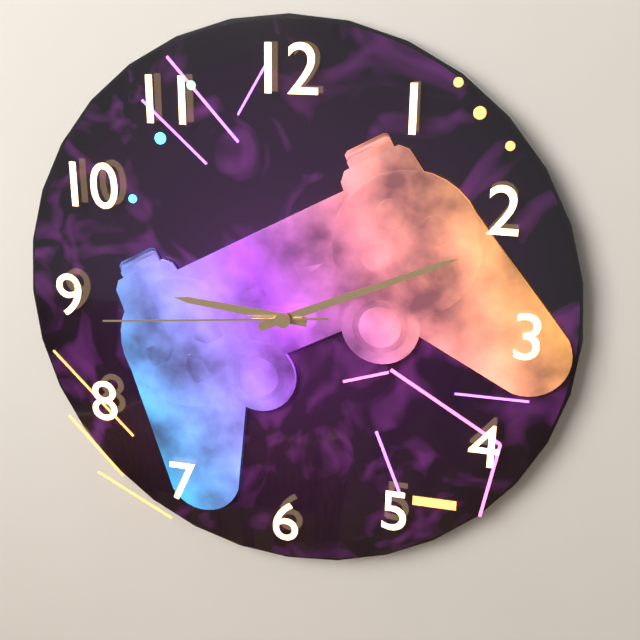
h=9 m=11 s=44
